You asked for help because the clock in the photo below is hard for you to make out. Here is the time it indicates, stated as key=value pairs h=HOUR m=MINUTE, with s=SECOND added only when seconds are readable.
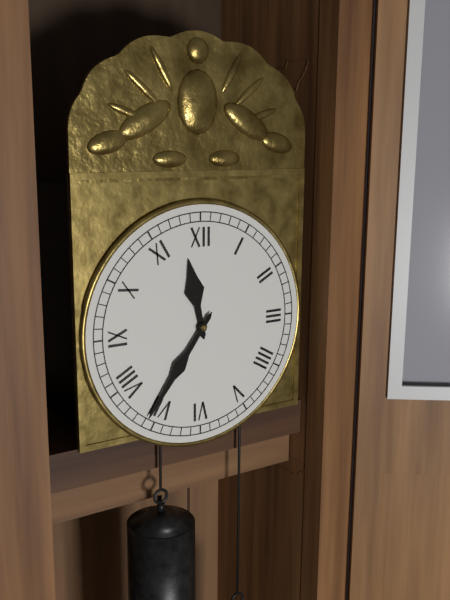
h=11 m=36
